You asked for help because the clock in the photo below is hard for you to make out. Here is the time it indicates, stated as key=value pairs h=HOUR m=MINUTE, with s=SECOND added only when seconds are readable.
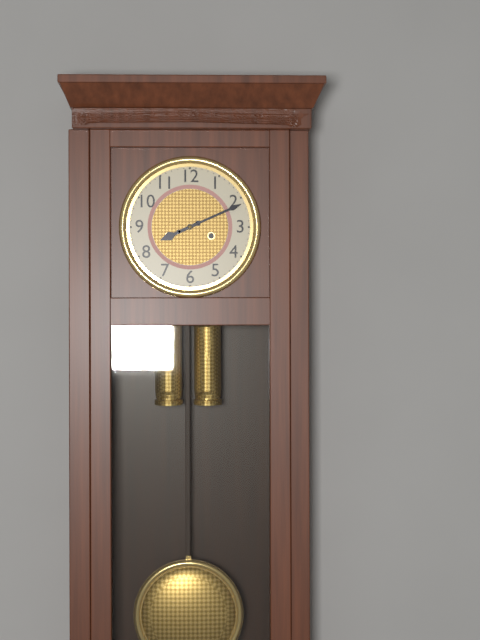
h=8 m=11
